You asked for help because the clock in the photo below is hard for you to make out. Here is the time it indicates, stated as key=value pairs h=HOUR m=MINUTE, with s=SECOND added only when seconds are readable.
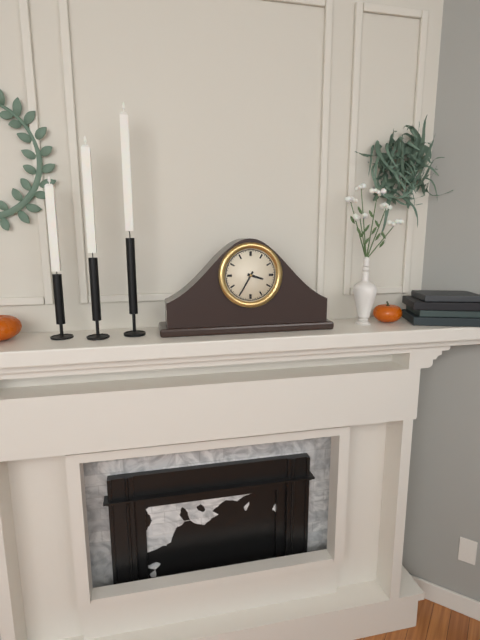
h=3 m=35
